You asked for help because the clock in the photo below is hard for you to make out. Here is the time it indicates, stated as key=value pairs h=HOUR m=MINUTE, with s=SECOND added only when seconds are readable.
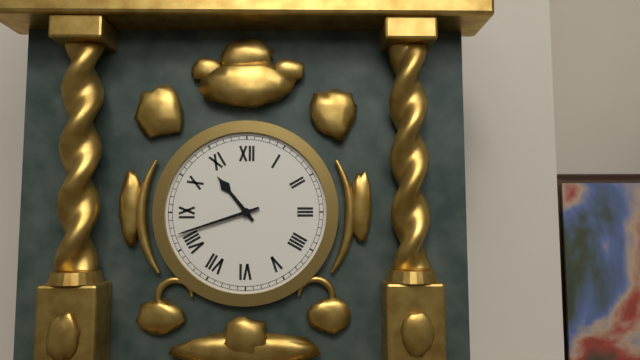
h=10 m=42
